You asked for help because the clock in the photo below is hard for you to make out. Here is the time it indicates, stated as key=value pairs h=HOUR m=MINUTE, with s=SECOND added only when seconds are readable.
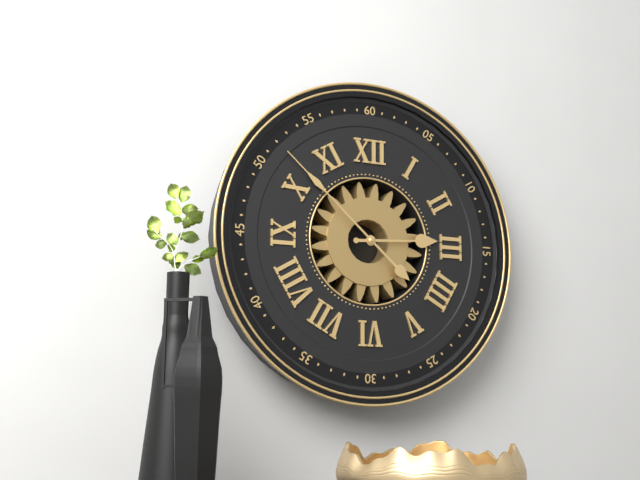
h=2 m=52
